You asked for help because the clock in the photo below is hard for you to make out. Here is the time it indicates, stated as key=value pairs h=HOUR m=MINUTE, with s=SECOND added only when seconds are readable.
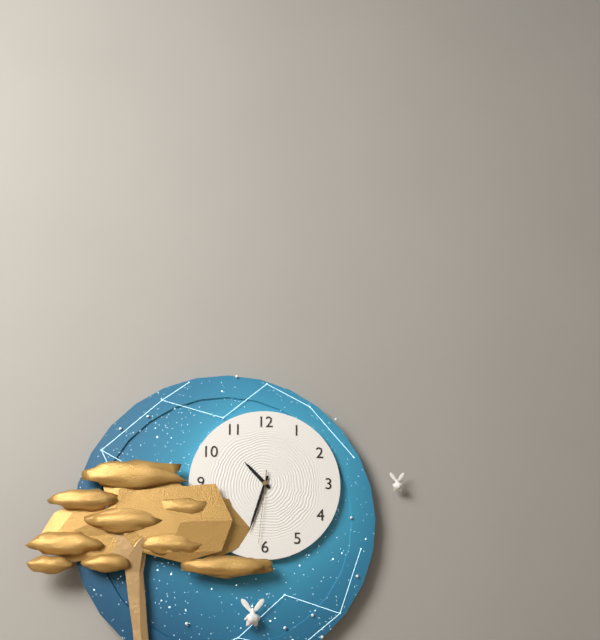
h=10 m=33 s=31
